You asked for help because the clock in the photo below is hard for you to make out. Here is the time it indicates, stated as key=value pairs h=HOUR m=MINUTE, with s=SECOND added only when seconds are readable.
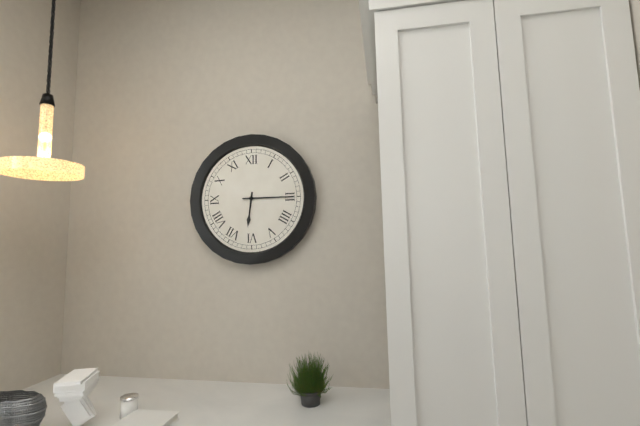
h=6 m=15
